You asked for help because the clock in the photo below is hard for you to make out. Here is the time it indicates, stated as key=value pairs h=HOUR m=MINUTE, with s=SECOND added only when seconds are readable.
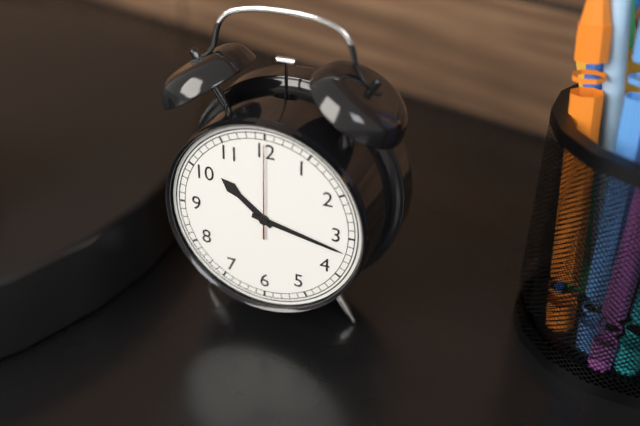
h=10 m=17 s=0
